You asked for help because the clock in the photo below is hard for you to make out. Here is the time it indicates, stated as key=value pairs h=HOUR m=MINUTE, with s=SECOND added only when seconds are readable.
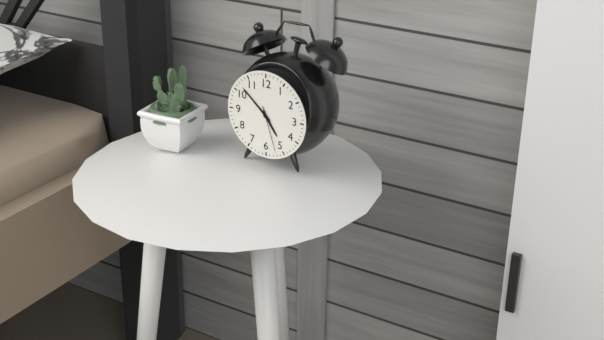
h=4 m=52
